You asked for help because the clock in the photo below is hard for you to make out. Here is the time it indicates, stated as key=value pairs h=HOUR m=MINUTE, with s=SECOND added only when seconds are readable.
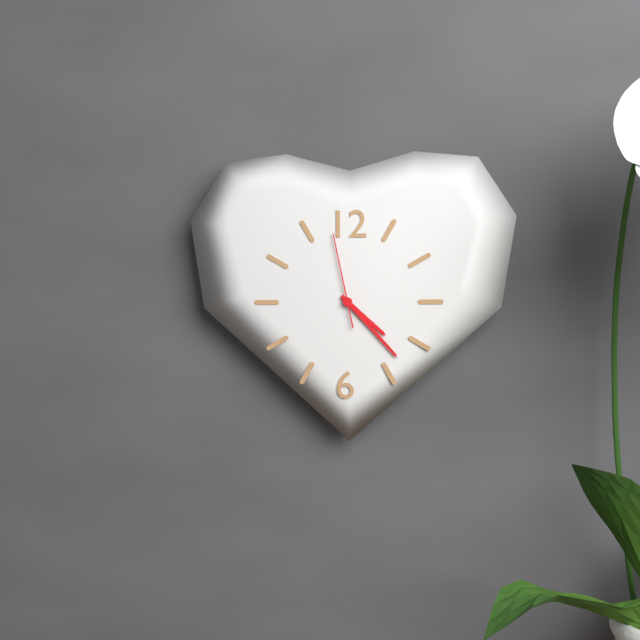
h=4 m=23 s=58
